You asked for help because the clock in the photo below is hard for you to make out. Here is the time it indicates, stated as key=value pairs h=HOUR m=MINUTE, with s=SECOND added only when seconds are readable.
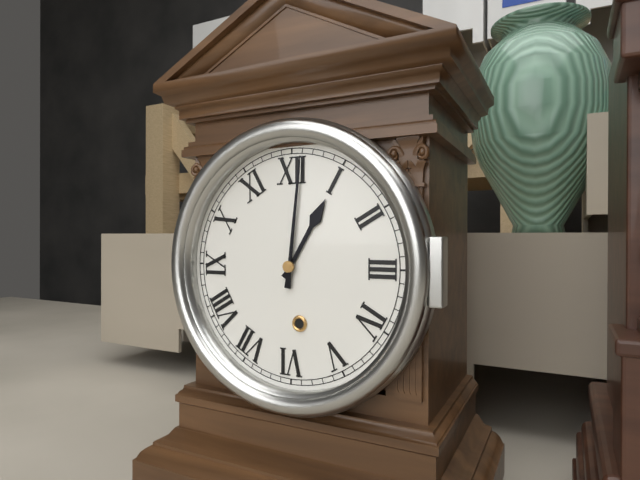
h=1 m=1
